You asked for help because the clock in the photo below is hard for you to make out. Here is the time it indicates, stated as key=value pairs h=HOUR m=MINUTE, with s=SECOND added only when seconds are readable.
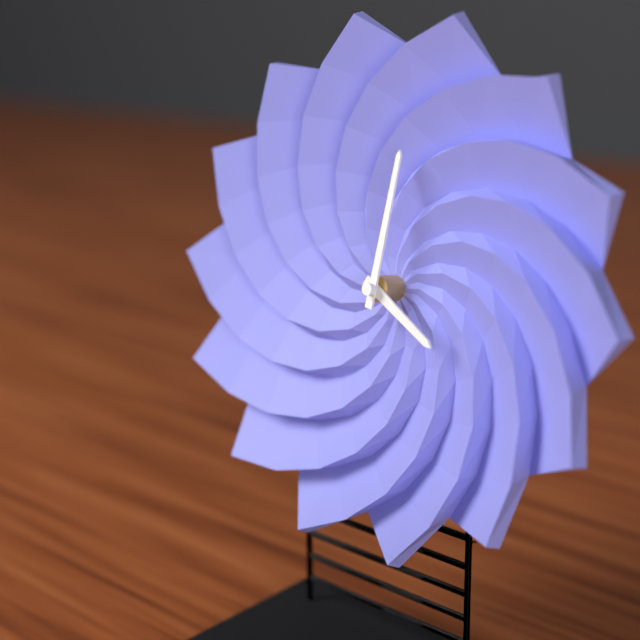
h=4 m=1
